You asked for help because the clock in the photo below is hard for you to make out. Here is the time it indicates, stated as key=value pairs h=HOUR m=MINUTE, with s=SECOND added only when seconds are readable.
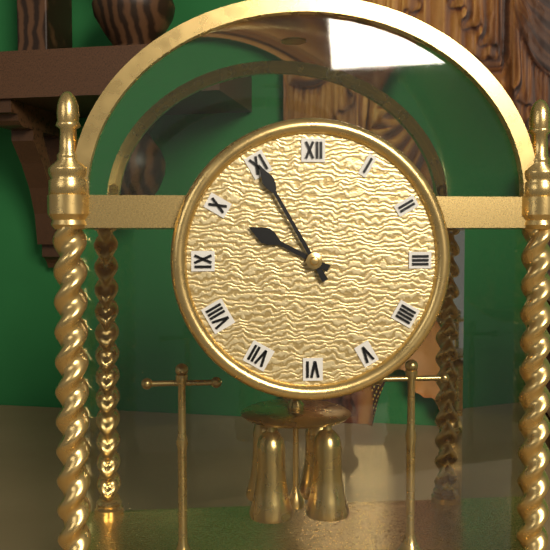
h=9 m=55
